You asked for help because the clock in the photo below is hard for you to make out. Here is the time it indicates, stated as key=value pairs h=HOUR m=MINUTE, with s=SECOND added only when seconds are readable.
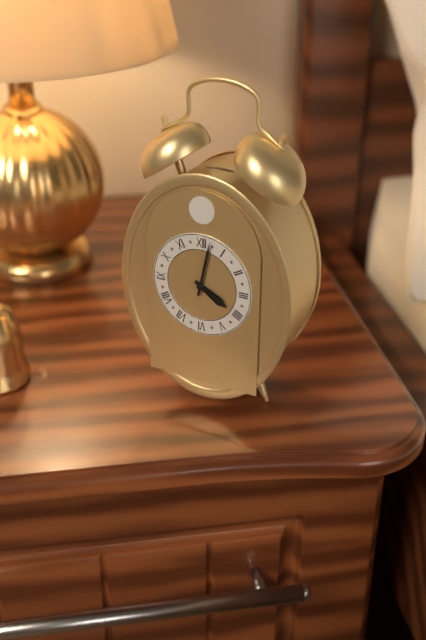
h=4 m=2
